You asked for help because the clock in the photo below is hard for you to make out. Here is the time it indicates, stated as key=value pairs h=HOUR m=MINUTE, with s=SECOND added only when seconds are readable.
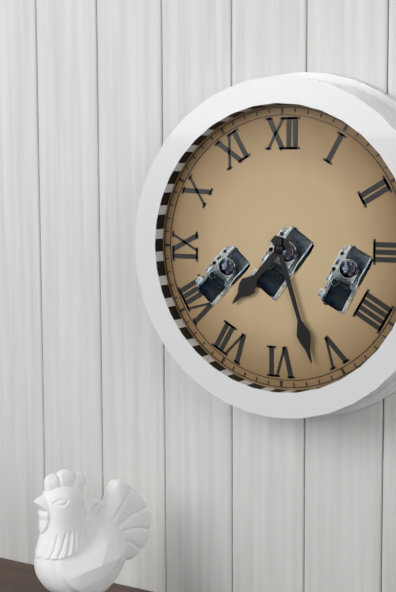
h=7 m=27
